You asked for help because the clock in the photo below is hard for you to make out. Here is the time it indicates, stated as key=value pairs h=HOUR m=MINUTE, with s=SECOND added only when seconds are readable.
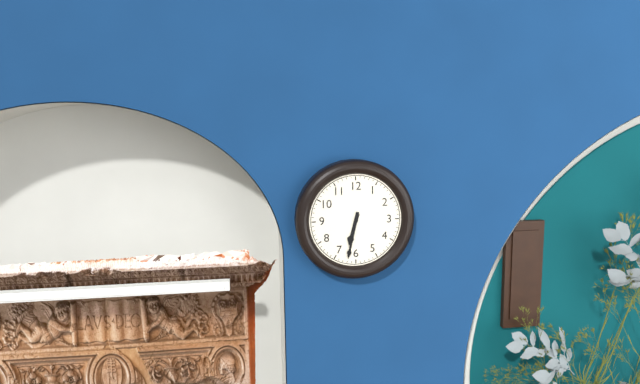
h=6 m=32
